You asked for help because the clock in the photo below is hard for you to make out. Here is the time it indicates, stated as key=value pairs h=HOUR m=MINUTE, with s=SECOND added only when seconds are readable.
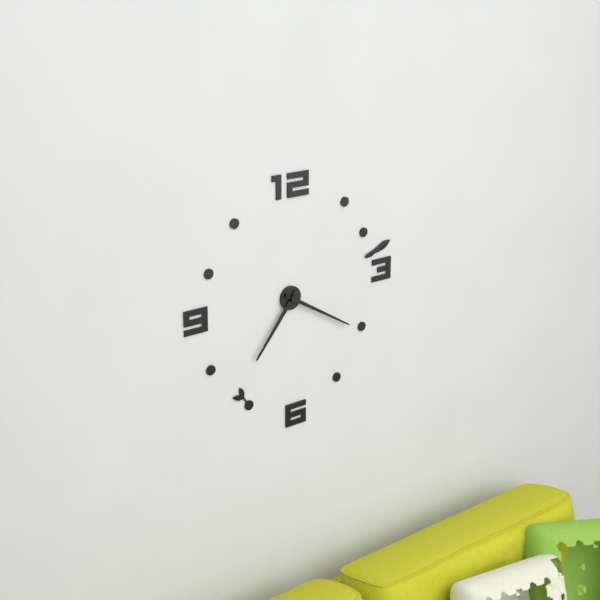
h=7 m=20
